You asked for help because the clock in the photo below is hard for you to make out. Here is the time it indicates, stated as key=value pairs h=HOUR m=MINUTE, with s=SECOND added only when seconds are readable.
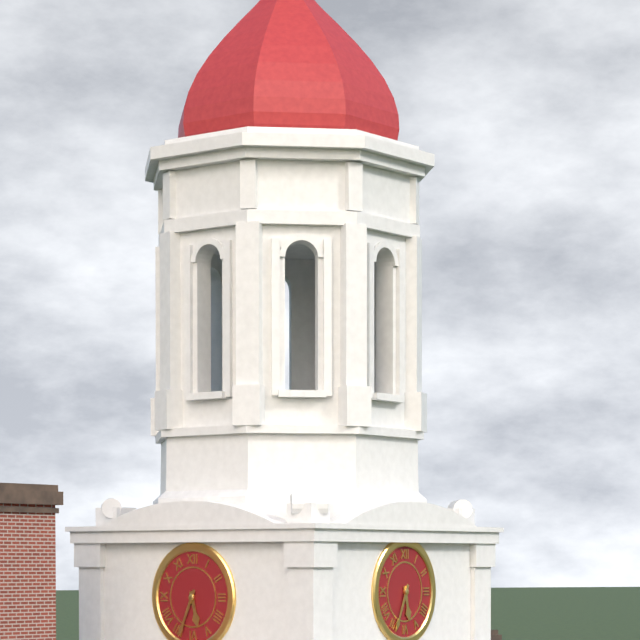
h=5 m=34
